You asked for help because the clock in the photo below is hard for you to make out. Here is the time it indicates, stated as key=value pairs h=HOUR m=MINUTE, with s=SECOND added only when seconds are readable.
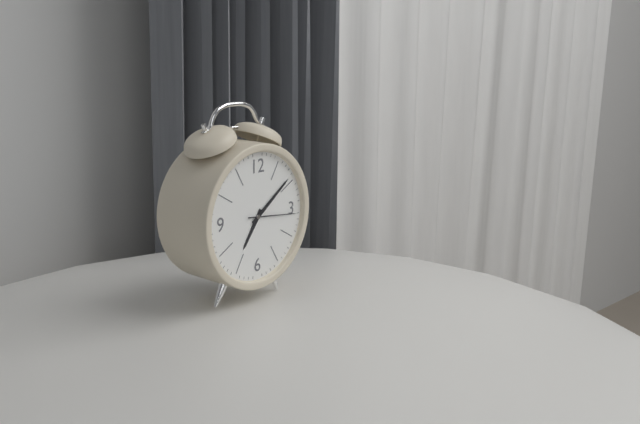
h=7 m=9
